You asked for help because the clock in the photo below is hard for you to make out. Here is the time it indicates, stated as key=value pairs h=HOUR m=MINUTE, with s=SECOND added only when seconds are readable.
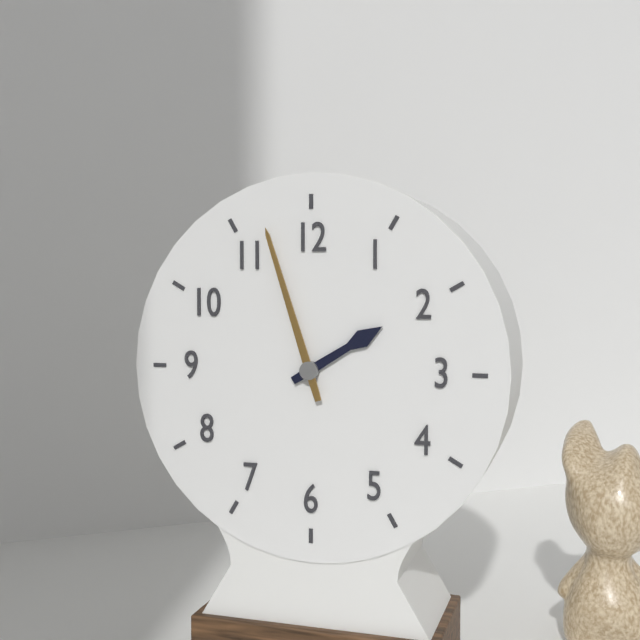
h=1 m=57
